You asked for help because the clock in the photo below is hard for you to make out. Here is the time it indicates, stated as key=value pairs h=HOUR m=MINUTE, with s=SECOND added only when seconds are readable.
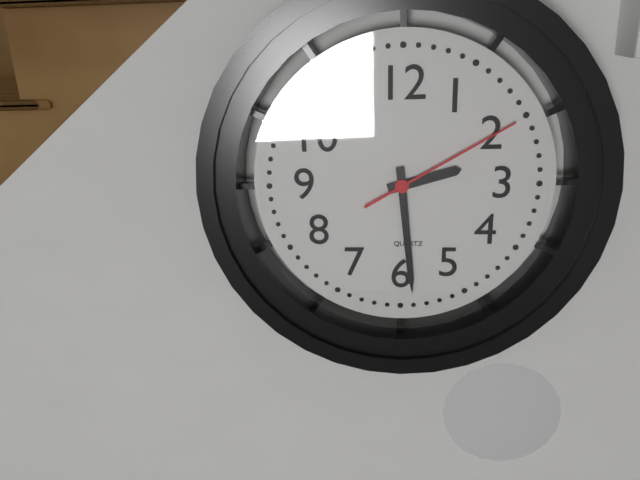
h=2 m=29 s=10
